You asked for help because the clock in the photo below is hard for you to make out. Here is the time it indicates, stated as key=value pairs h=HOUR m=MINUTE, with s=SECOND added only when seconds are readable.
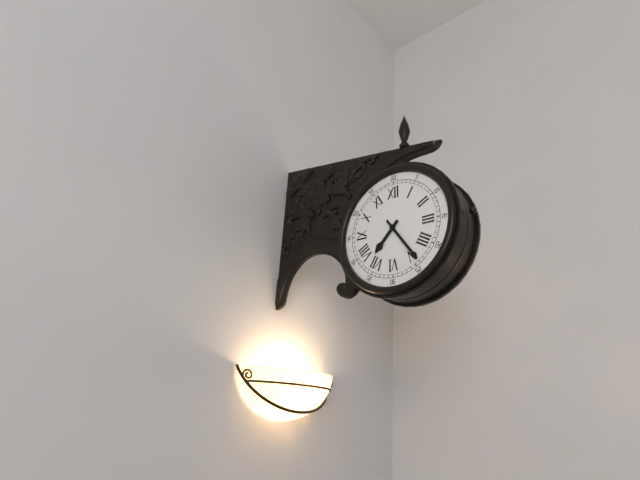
h=7 m=24
